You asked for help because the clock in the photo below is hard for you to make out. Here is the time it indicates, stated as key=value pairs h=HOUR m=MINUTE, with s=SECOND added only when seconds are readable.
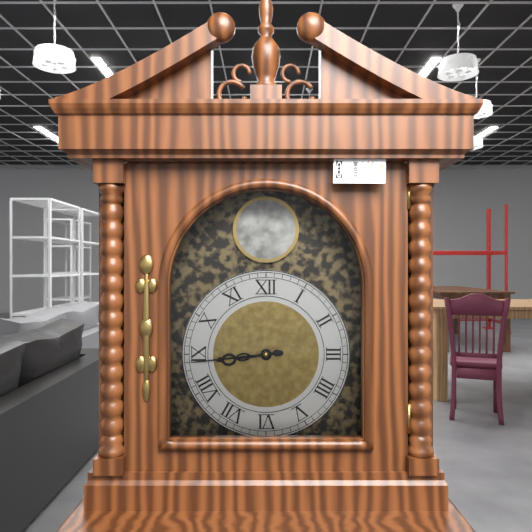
h=8 m=44
